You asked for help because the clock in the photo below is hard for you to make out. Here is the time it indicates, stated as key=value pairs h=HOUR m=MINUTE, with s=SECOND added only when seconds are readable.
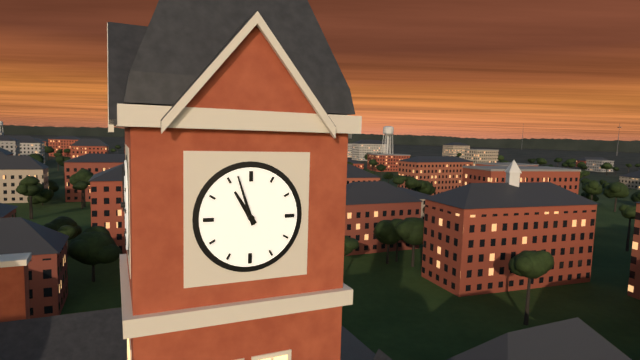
h=10 m=57
